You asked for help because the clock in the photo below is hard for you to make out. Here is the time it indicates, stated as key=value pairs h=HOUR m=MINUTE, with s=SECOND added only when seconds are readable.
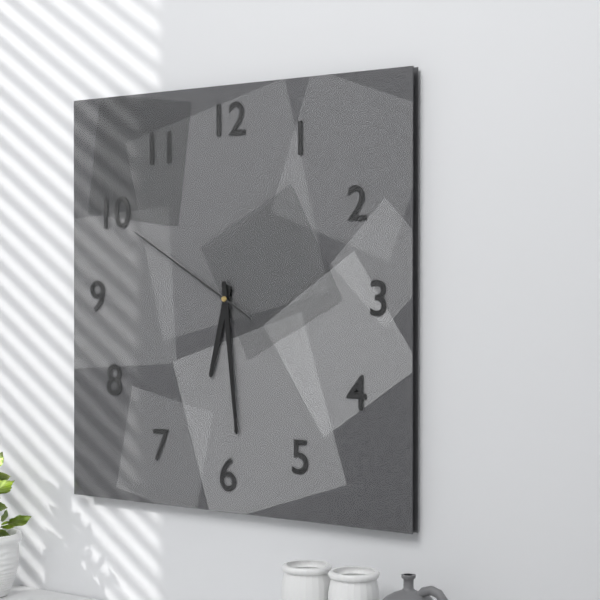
h=6 m=29 s=50
